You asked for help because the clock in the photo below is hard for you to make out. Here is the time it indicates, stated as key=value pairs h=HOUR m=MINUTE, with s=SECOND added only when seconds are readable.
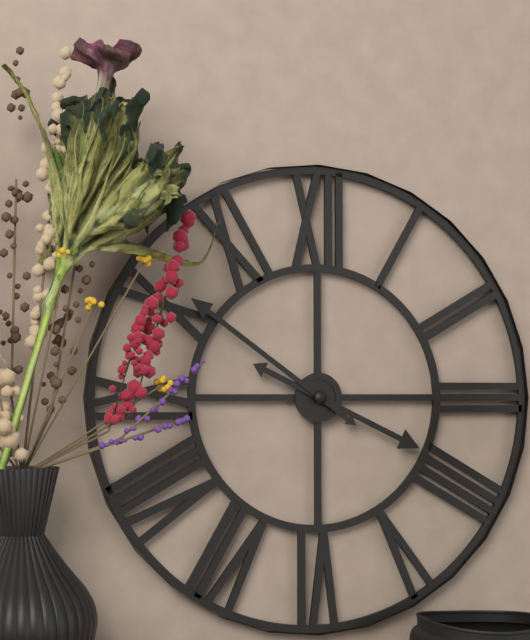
h=3 m=51
